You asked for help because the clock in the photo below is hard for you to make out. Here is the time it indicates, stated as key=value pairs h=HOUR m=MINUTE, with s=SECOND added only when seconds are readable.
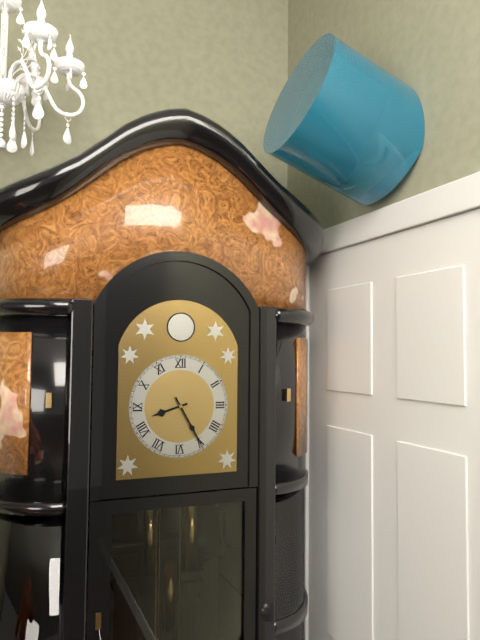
h=8 m=25
